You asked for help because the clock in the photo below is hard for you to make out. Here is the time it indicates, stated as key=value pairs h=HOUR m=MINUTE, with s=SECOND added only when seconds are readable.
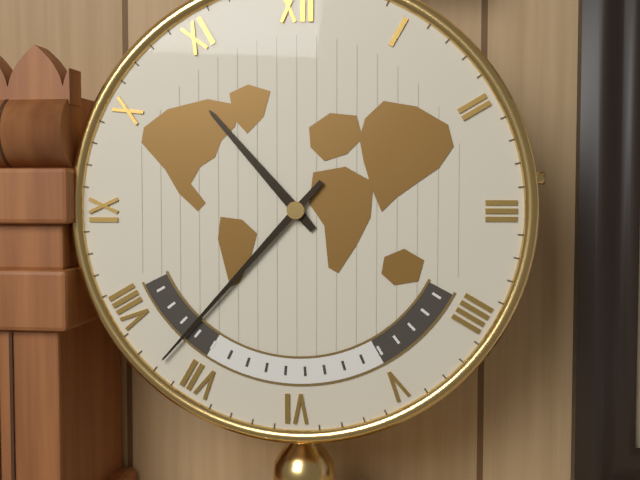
h=10 m=37
